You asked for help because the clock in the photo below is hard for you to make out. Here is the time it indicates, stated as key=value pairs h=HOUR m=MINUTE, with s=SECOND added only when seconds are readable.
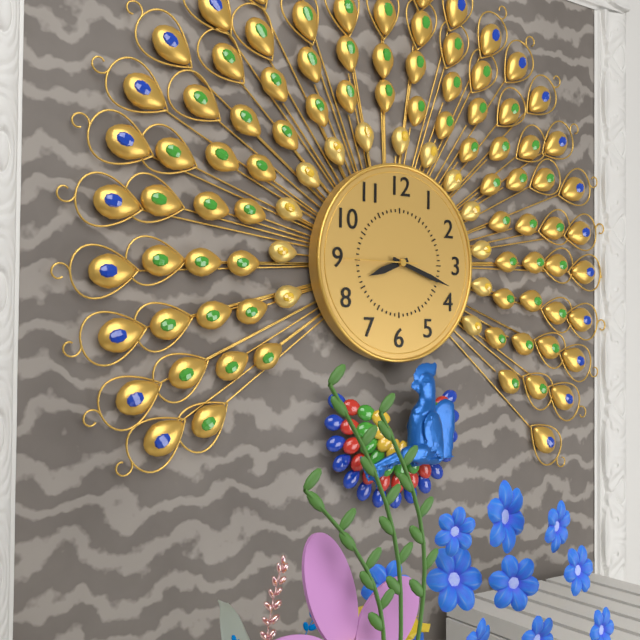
h=8 m=18 s=45
